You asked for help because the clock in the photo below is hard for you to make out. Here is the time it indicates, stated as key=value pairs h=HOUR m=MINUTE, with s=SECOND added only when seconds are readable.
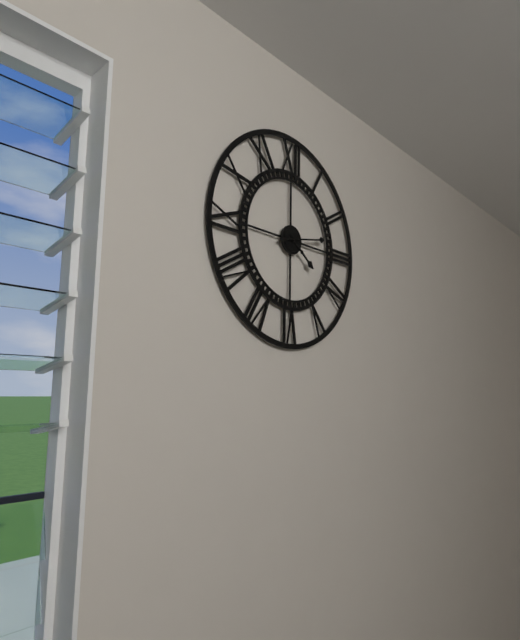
h=4 m=13
